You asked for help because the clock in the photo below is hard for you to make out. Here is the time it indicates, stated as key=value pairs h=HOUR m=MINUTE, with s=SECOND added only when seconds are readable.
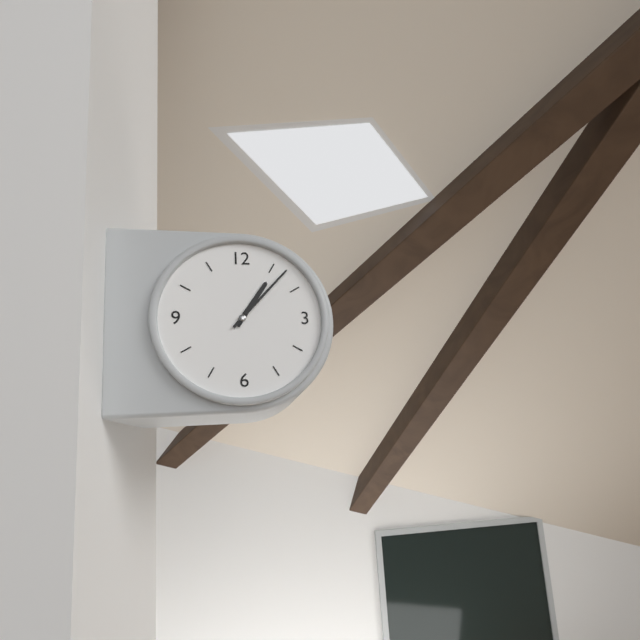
h=1 m=7
